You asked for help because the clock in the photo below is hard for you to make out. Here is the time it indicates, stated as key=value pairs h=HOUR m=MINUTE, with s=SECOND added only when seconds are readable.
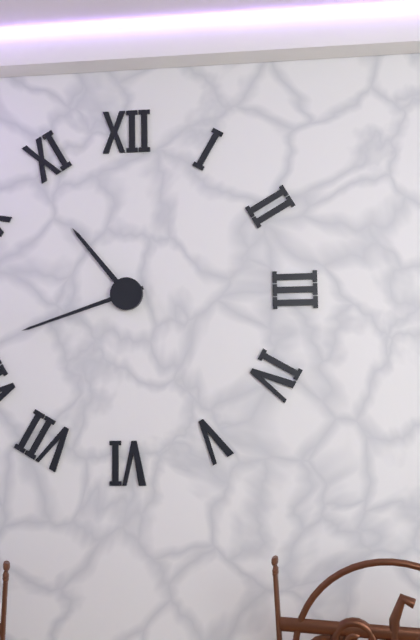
h=10 m=42
